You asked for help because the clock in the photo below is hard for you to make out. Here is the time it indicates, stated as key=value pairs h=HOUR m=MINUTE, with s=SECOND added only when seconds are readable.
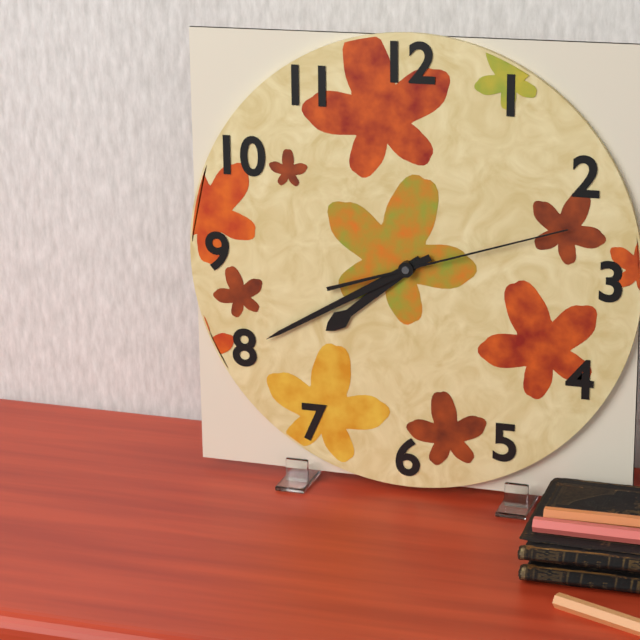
h=7 m=40 s=12
